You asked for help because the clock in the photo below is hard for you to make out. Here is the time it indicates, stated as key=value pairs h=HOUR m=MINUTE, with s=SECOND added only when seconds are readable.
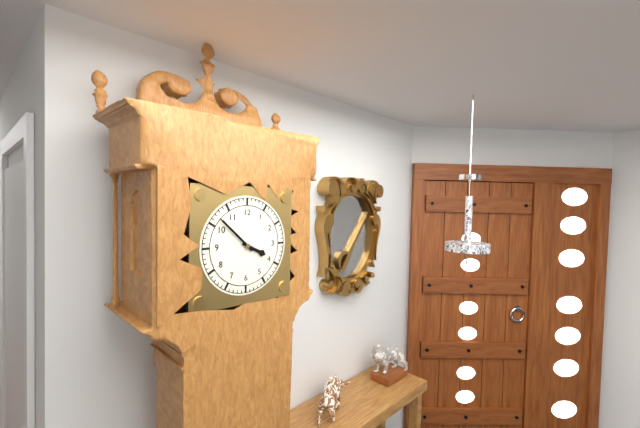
h=3 m=52
